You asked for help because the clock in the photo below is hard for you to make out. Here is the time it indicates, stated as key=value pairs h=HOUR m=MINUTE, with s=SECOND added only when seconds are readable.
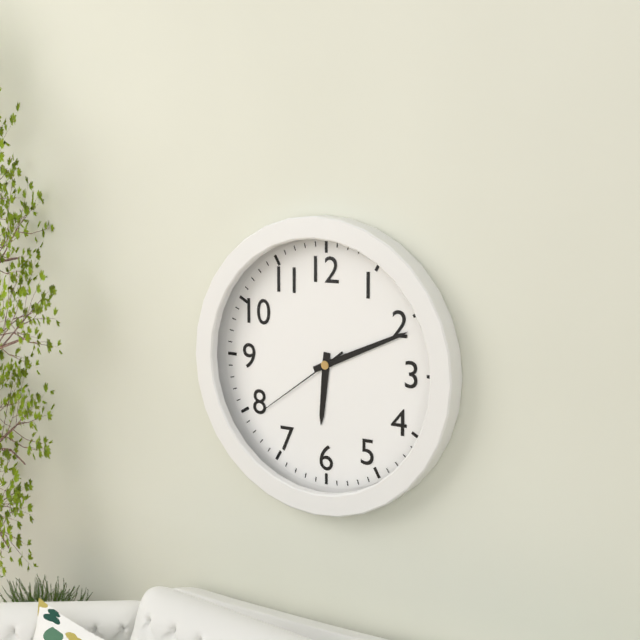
h=6 m=11 s=39
